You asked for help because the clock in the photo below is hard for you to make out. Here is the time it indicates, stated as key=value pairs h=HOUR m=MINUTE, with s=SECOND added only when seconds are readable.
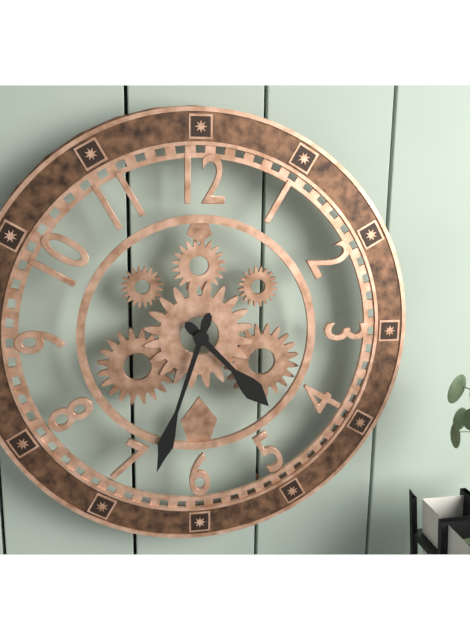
h=4 m=33
